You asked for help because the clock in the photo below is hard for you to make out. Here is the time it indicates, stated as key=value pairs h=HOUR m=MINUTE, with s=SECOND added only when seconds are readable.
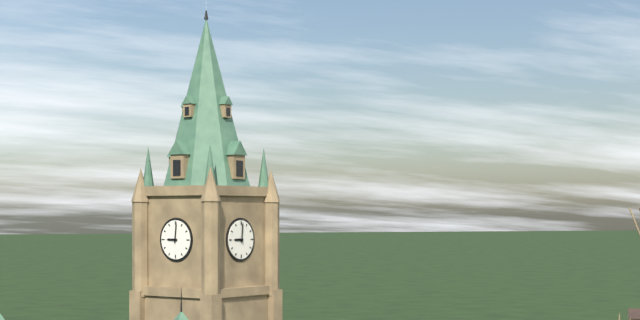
h=9 m=1
